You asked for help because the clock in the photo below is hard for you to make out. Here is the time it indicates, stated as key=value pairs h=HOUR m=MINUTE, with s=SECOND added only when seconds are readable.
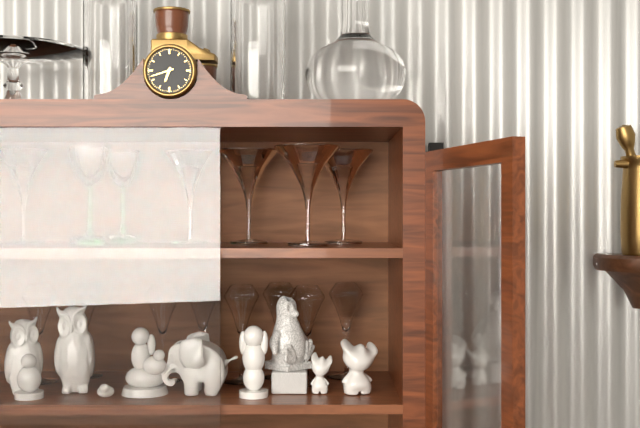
h=6 m=42
